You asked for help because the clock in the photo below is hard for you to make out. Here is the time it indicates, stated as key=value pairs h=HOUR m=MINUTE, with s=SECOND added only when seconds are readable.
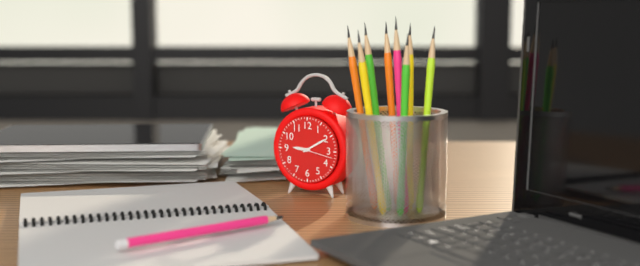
h=9 m=10
